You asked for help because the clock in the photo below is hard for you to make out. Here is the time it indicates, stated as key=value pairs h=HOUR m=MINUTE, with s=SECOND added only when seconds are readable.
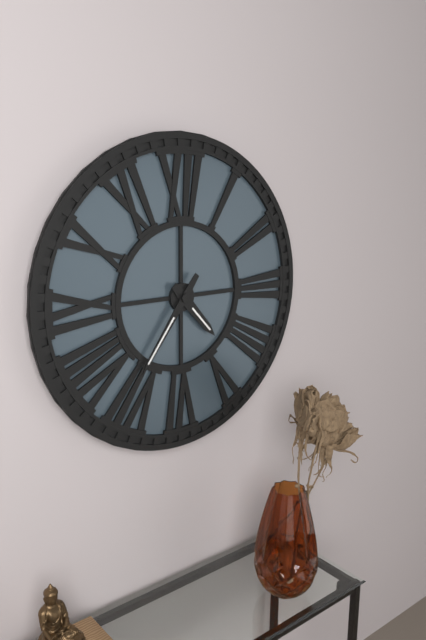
h=4 m=36
